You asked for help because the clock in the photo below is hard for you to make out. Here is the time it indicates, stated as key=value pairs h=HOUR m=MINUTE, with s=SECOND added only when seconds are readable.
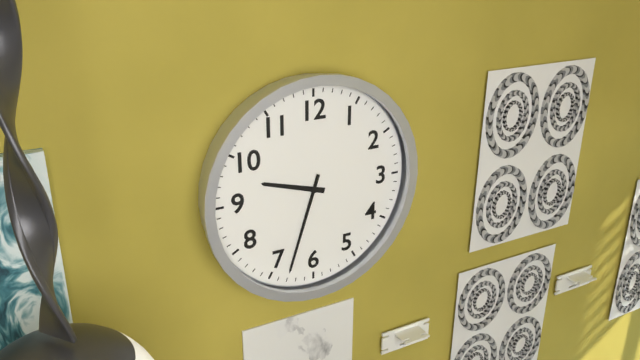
h=9 m=33
